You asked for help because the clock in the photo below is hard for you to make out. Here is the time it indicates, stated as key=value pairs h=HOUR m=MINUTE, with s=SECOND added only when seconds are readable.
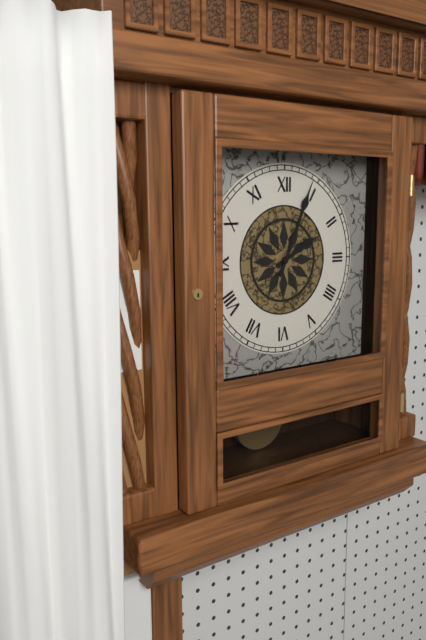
h=2 m=4
